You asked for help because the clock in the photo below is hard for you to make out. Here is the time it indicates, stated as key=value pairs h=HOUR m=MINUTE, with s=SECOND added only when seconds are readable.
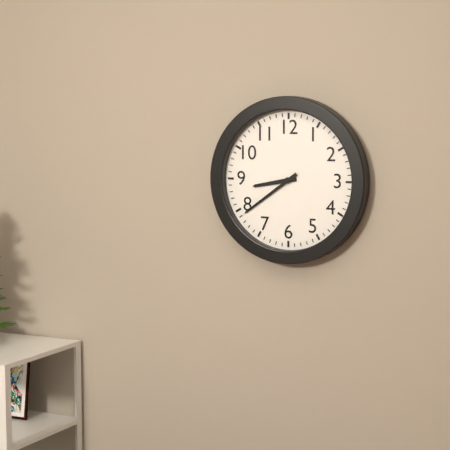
h=8 m=39
